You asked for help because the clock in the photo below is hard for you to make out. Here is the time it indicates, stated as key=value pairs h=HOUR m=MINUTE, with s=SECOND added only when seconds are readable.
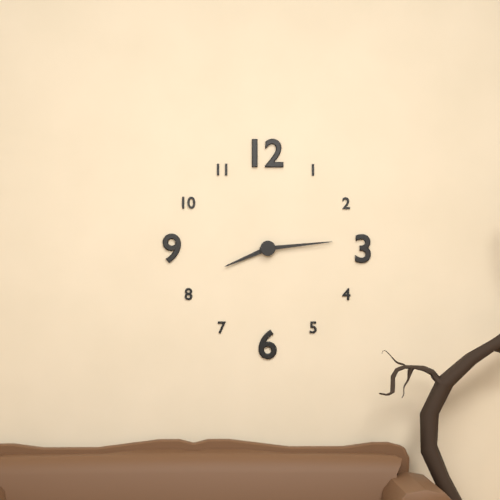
h=8 m=14
